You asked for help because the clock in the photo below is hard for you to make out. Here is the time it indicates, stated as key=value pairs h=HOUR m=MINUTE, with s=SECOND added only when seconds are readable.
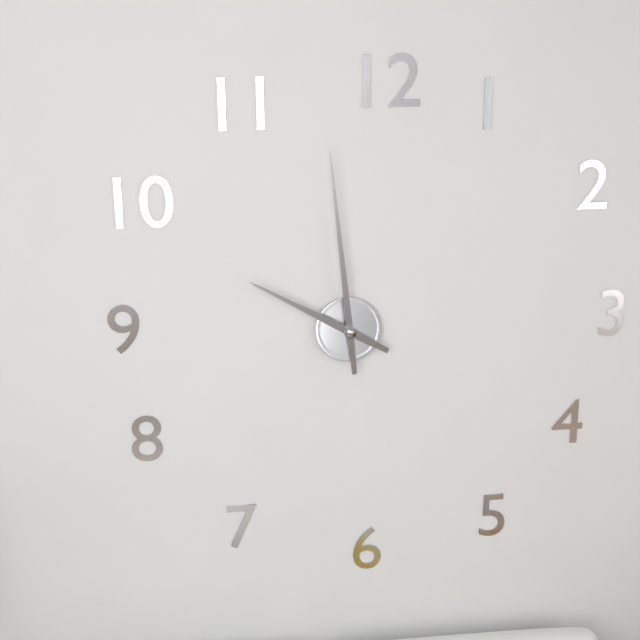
h=9 m=59
